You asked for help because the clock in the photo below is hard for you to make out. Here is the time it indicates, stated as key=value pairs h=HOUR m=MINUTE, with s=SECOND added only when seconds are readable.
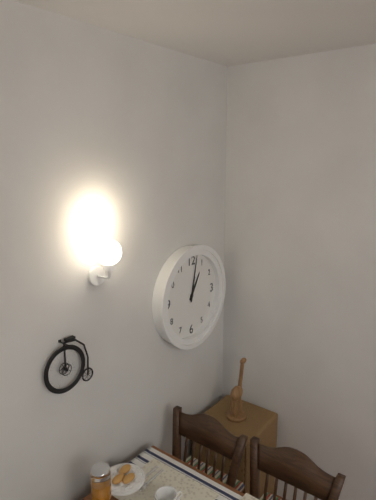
h=1 m=2
